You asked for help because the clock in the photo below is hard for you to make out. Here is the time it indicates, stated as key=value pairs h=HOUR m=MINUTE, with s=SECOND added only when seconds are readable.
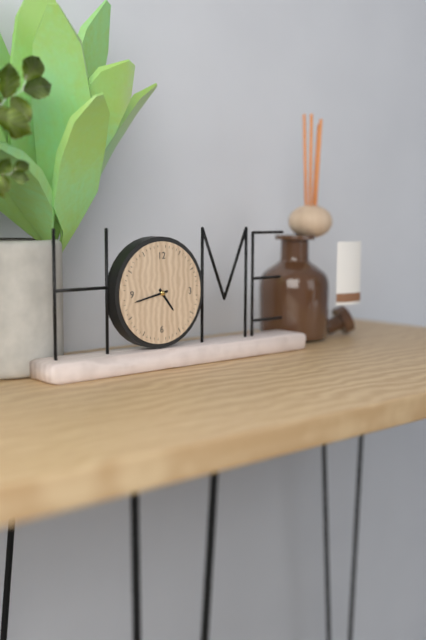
h=4 m=43
